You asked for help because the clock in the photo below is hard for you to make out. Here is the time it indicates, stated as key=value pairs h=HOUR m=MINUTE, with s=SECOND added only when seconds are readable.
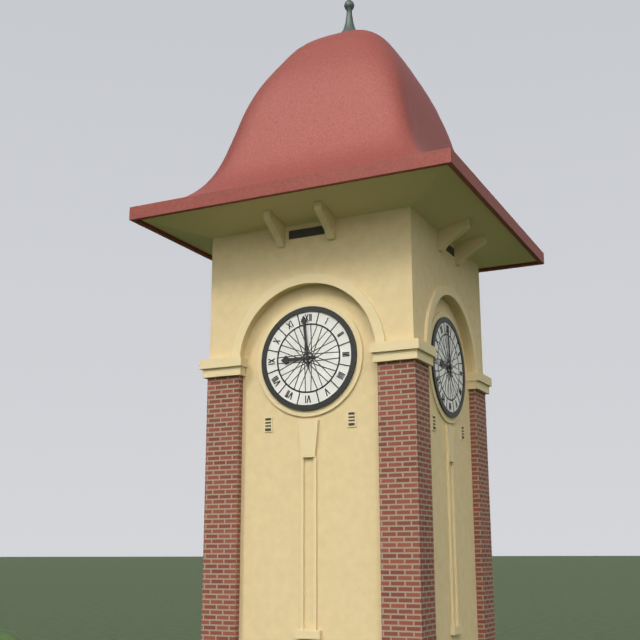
h=8 m=59
